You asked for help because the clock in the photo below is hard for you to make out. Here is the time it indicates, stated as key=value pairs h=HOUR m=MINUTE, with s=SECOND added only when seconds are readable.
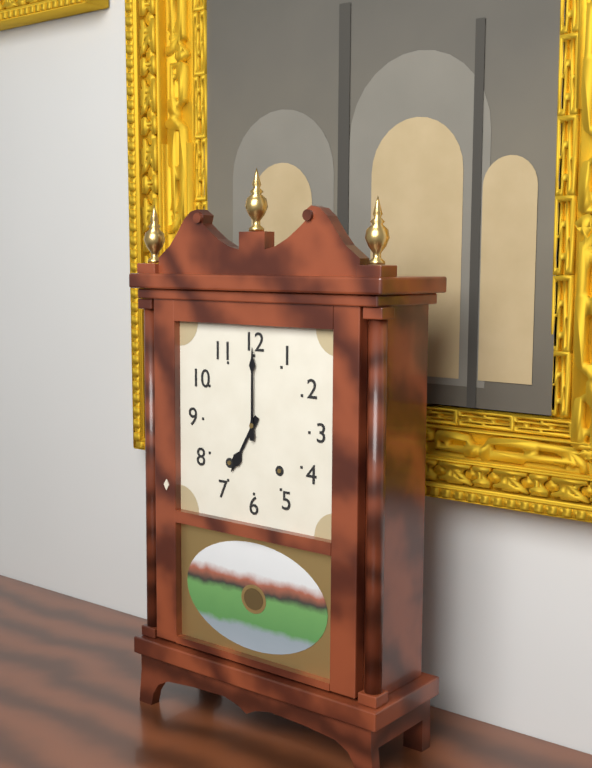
h=7 m=0
